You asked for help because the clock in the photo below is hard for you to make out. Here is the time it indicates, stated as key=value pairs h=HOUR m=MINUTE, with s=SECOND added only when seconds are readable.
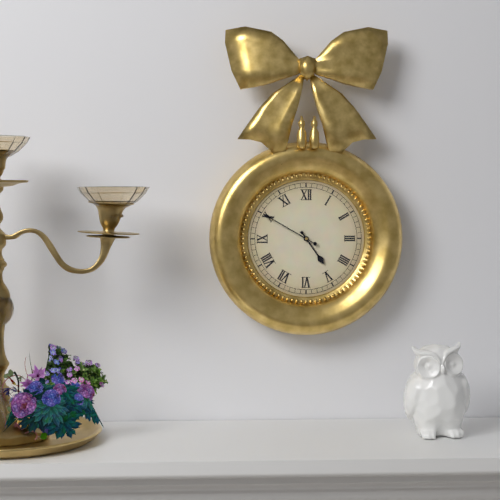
h=4 m=50
